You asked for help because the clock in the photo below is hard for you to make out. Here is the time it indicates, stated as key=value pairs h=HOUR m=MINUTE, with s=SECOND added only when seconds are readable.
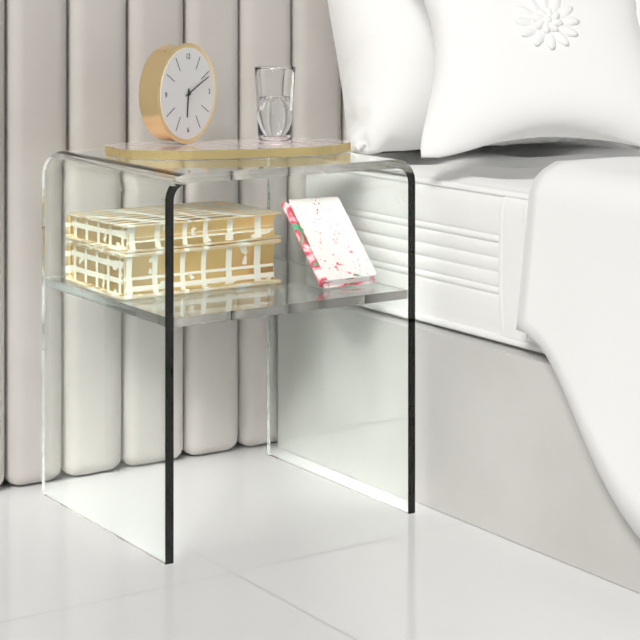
h=6 m=11
